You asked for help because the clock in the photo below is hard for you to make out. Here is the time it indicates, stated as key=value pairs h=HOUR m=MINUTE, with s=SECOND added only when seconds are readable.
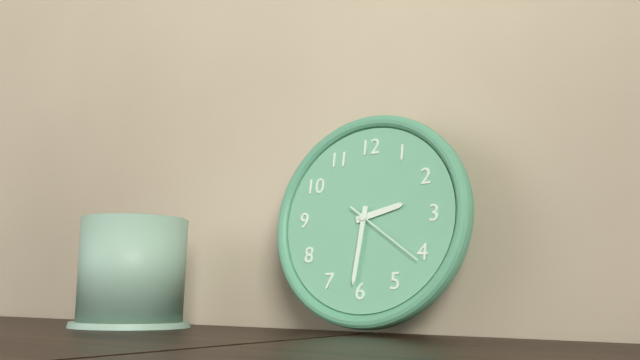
h=2 m=31 s=21
